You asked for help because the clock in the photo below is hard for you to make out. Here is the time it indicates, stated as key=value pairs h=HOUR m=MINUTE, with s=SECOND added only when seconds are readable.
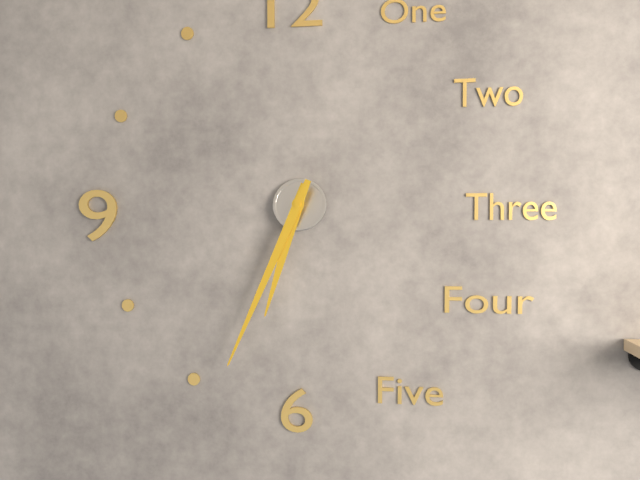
h=6 m=34
